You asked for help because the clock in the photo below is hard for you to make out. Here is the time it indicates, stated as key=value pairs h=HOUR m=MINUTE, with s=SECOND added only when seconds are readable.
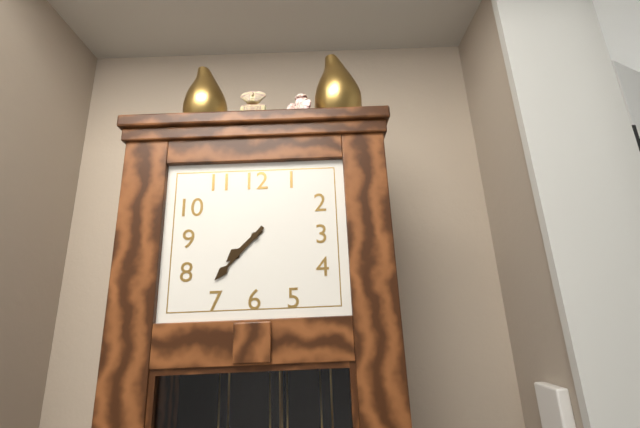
h=7 m=37
